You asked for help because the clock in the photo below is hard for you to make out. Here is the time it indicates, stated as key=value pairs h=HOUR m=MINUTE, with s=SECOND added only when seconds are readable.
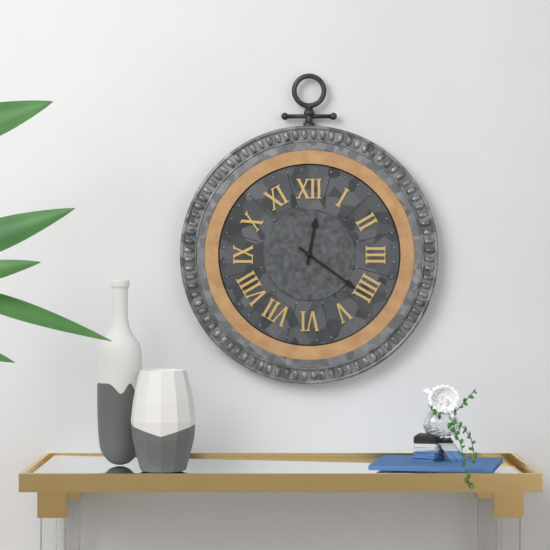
h=12 m=21
